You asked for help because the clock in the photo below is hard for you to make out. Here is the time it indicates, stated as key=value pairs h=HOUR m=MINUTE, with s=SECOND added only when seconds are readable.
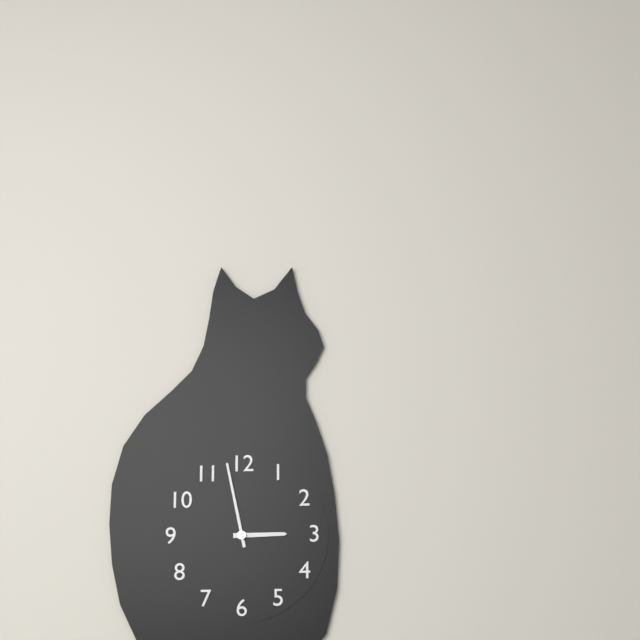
h=2 m=58
